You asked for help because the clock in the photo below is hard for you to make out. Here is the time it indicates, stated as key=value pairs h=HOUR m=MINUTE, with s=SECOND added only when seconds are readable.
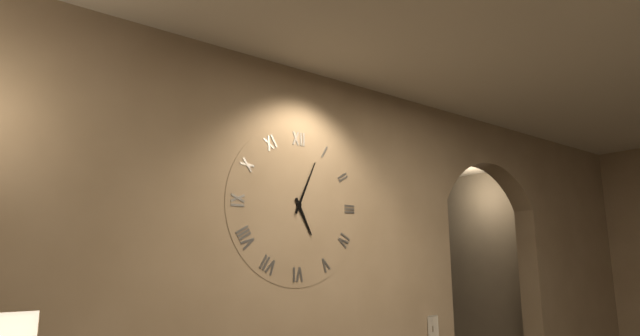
h=5 m=4
